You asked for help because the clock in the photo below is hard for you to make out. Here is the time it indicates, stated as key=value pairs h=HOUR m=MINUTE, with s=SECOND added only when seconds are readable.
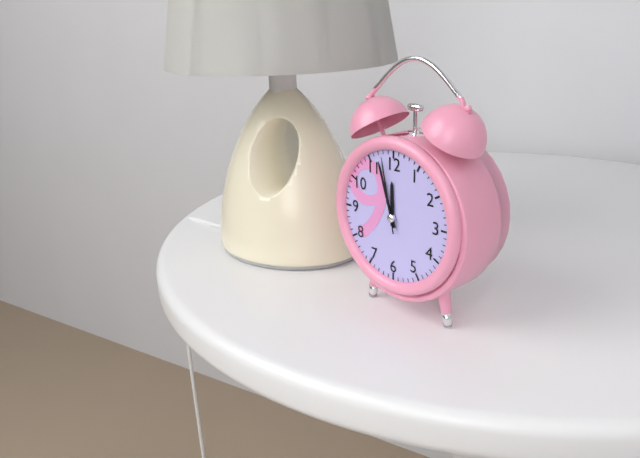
h=11 m=57 s=58
